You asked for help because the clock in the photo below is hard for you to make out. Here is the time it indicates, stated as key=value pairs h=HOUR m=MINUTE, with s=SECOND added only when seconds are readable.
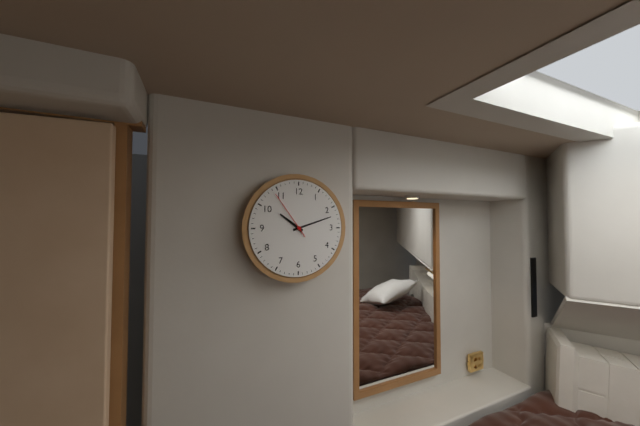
h=10 m=12 s=54
